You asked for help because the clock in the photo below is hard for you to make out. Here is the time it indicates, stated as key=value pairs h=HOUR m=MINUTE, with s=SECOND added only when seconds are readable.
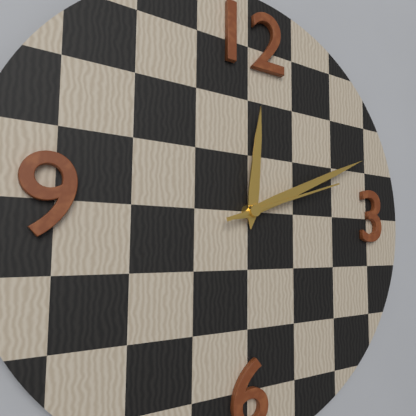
h=12 m=11 s=12
